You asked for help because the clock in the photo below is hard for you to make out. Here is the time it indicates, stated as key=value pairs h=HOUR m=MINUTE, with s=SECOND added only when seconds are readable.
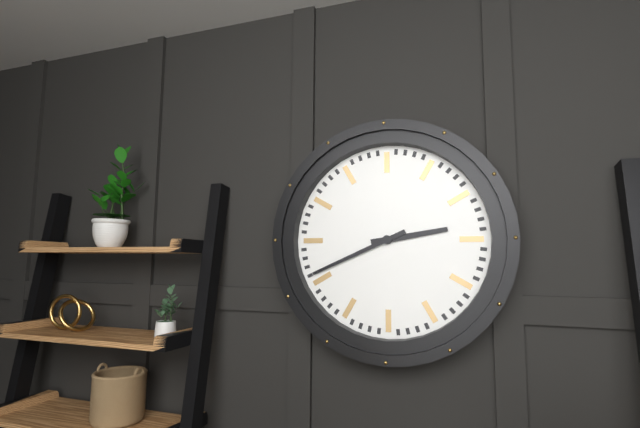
h=2 m=41
